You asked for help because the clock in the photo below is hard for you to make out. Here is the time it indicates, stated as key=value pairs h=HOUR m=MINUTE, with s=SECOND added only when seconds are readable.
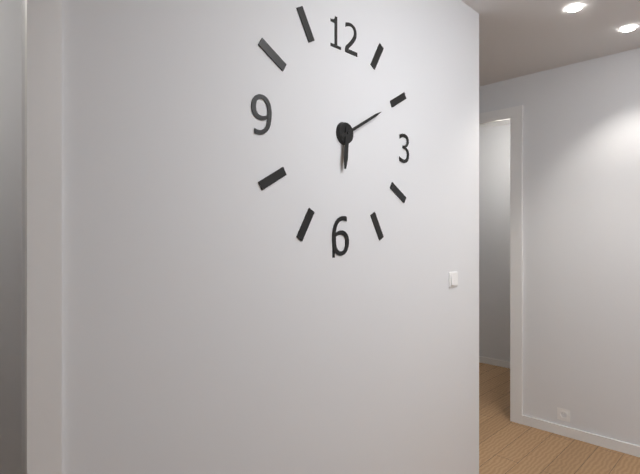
h=6 m=10
